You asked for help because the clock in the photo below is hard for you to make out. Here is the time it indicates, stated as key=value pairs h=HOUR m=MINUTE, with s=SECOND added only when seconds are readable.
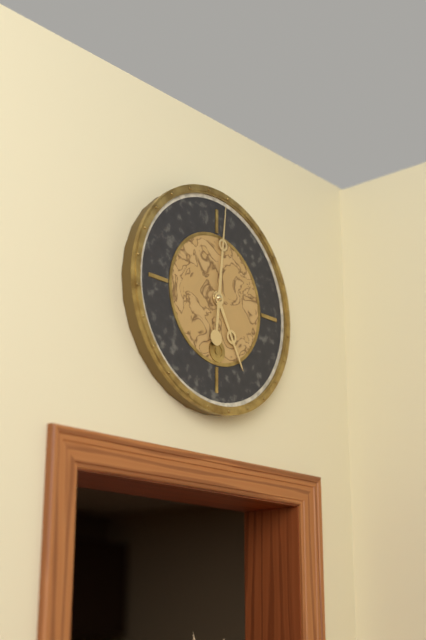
h=5 m=1
